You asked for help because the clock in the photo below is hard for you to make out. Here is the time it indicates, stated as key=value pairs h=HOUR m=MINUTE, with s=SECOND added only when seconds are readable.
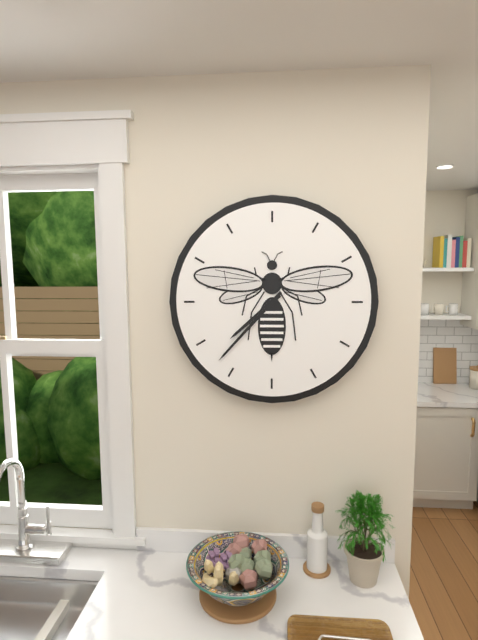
h=7 m=37
